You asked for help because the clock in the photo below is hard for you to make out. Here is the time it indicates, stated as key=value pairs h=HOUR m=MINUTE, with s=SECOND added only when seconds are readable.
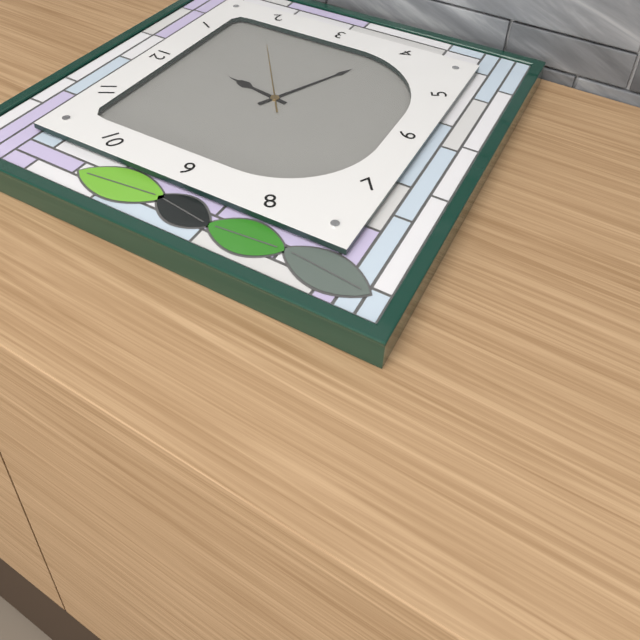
h=12 m=19 s=9
